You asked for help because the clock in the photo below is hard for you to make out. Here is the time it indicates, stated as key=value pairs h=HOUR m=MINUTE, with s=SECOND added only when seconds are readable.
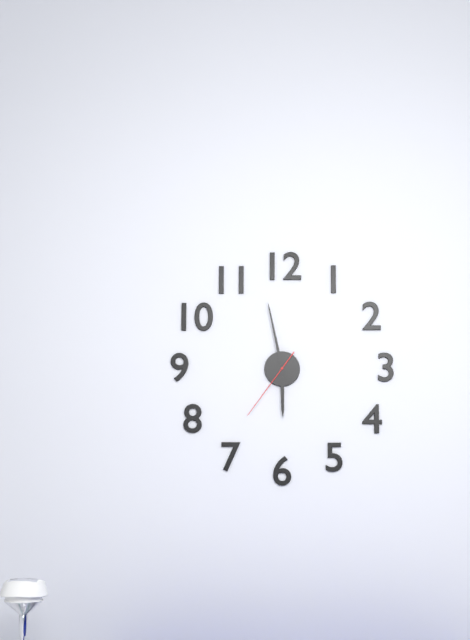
h=5 m=58 s=36
